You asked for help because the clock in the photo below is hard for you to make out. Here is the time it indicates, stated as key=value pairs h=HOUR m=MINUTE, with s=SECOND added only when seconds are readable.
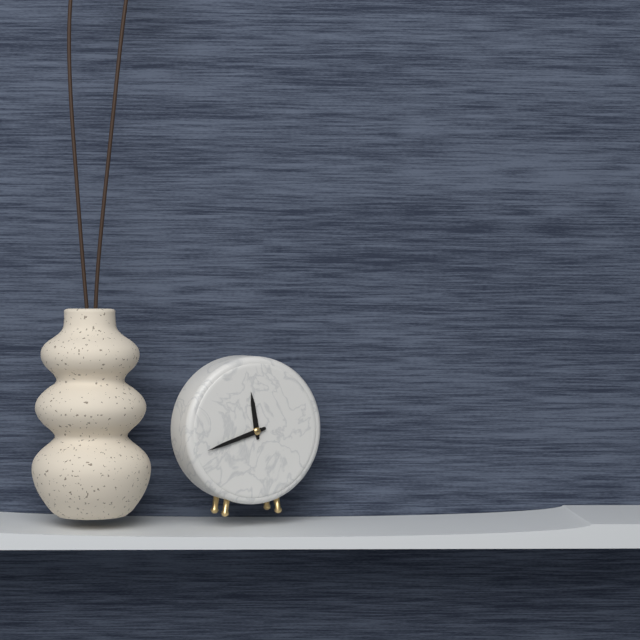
h=11 m=42
